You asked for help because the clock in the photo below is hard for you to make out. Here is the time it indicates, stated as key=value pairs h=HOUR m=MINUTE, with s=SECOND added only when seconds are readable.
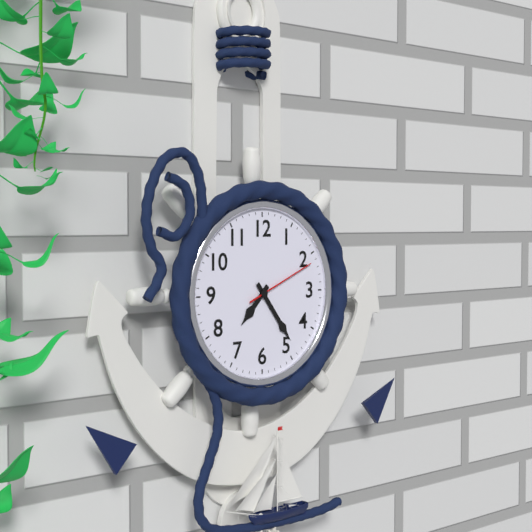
h=7 m=24 s=11
